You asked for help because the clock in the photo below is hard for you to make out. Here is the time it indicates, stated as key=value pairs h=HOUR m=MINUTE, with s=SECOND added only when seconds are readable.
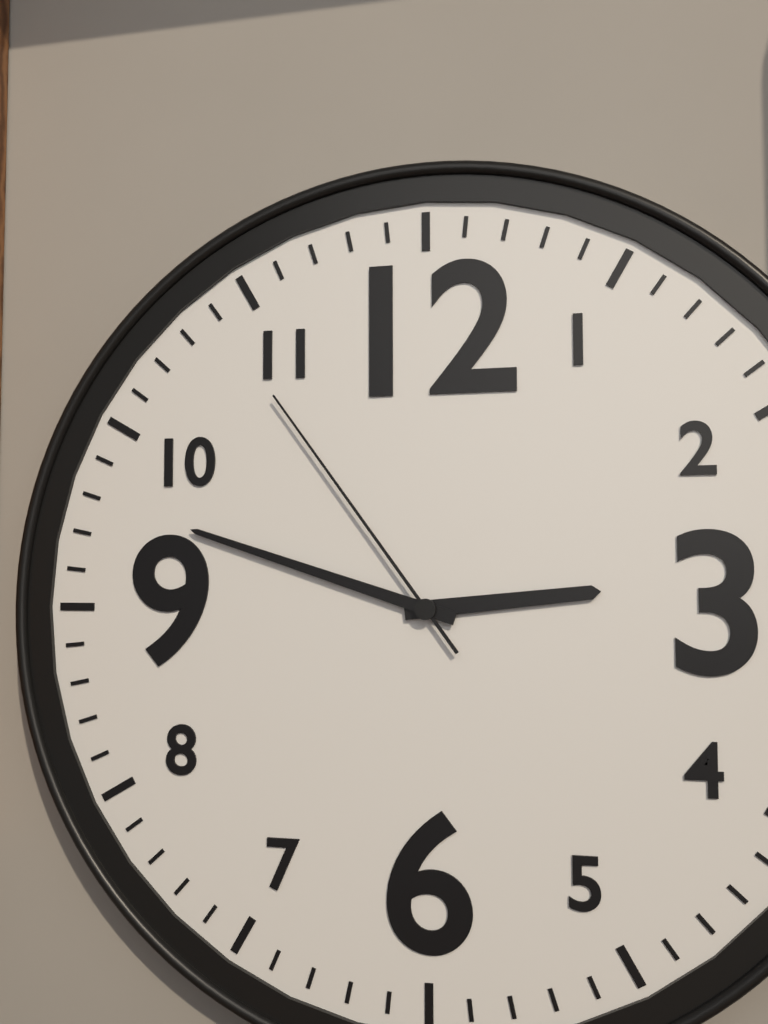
h=2 m=48 s=54
